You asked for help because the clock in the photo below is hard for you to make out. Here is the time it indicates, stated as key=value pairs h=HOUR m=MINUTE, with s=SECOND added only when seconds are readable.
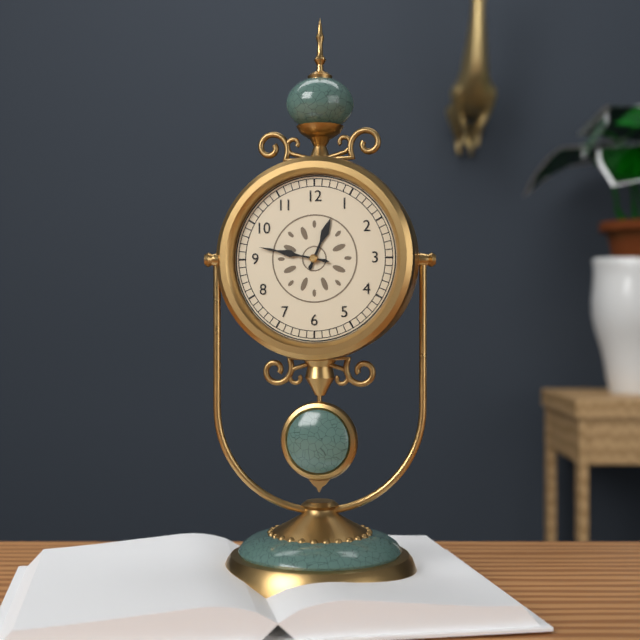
h=12 m=47
